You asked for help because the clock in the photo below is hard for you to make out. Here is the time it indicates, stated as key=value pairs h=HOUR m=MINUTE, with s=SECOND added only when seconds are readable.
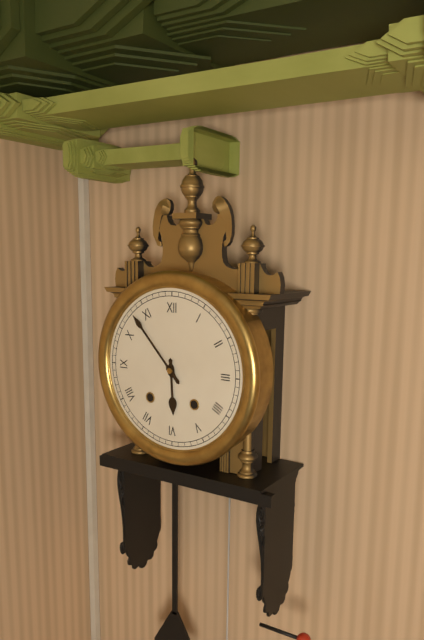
h=5 m=53
